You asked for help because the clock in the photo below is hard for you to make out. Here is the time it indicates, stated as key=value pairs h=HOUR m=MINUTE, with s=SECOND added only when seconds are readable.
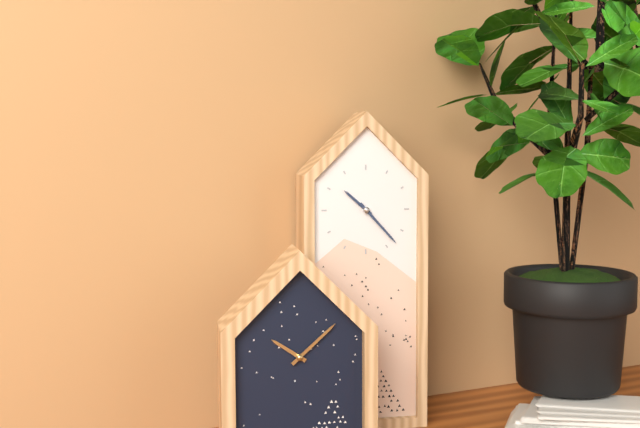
h=10 m=23
